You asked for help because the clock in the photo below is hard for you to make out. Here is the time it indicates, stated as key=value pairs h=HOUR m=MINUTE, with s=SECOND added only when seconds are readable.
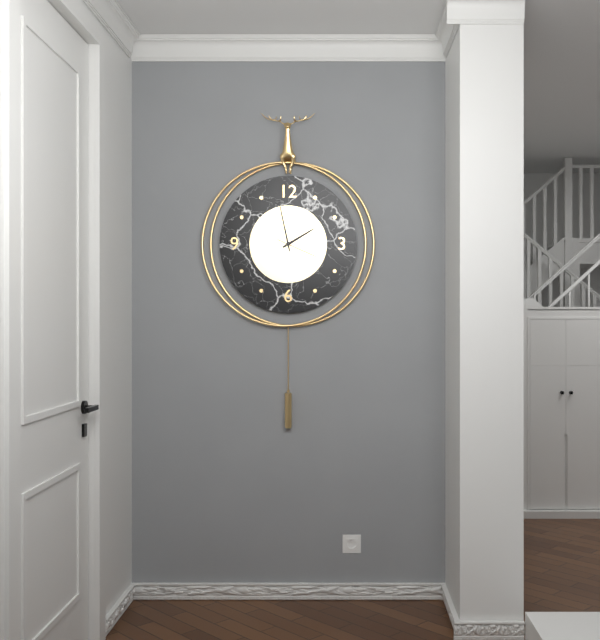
h=1 m=58
